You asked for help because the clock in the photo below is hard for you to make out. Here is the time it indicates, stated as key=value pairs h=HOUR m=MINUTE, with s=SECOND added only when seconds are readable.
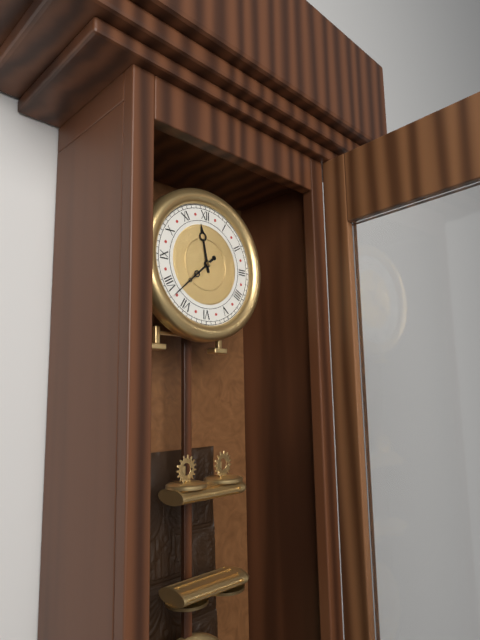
h=11 m=38
